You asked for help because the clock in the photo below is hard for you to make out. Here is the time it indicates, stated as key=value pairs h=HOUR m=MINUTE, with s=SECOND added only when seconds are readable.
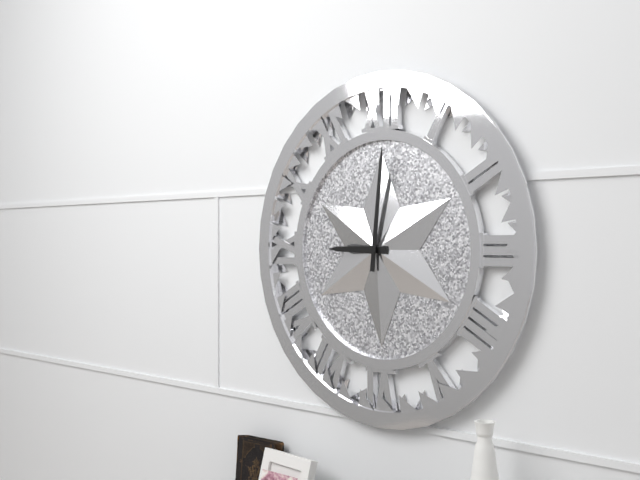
h=9 m=1
